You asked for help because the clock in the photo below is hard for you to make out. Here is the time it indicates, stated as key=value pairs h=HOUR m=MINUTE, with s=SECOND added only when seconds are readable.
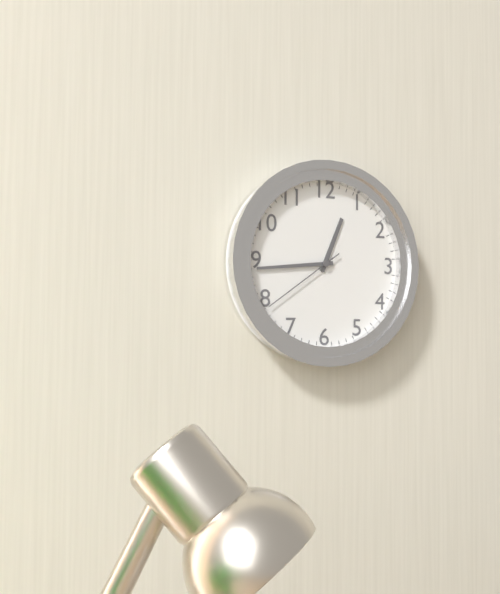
h=12 m=44 s=39
